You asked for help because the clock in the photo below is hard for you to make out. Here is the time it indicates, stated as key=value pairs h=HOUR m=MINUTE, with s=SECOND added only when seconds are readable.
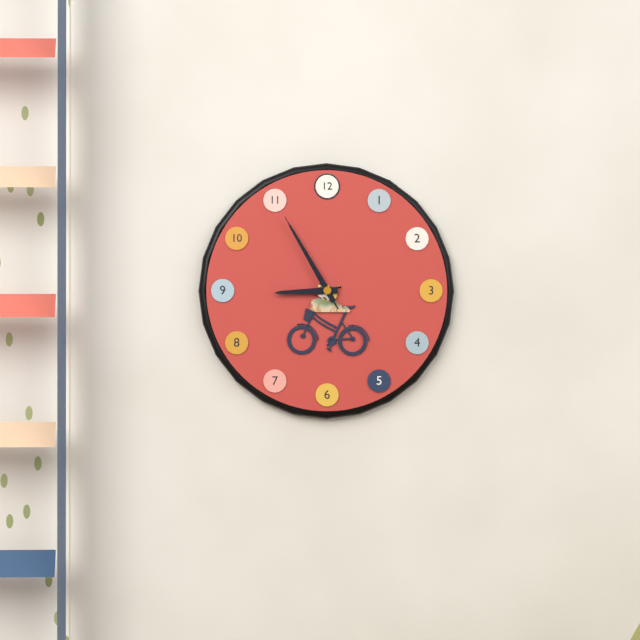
h=8 m=55 s=55
